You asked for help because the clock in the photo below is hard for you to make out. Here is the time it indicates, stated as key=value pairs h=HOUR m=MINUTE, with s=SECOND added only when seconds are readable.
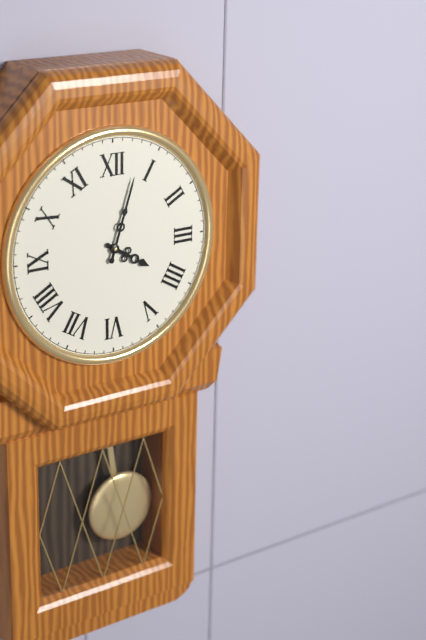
h=4 m=3
